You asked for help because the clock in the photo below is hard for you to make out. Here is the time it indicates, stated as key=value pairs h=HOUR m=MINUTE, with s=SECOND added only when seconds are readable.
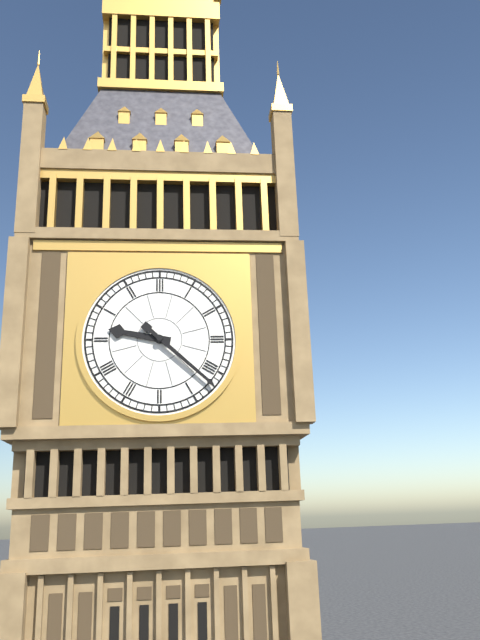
h=9 m=22
